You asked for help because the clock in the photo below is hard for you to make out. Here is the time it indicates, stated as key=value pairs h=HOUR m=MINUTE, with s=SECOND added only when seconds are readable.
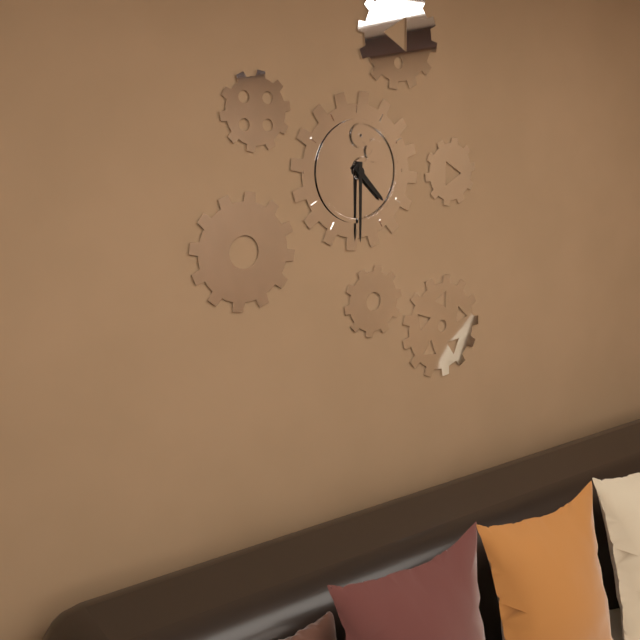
h=4 m=30
